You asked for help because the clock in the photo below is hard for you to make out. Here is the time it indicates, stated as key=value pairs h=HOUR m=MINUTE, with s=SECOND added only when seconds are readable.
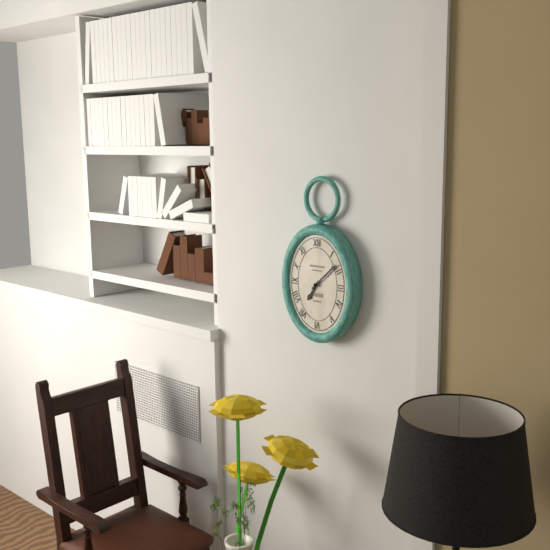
h=7 m=8
